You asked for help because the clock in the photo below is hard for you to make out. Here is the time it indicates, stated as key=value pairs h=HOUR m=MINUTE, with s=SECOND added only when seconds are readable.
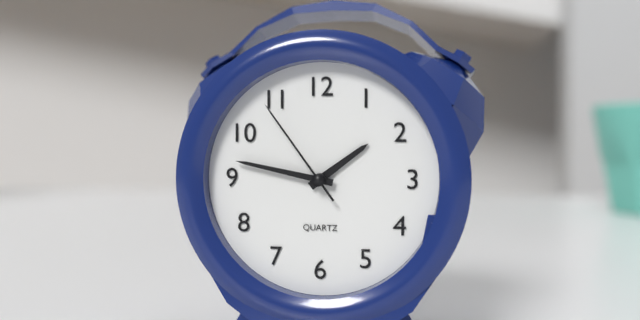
h=1 m=47 s=54
